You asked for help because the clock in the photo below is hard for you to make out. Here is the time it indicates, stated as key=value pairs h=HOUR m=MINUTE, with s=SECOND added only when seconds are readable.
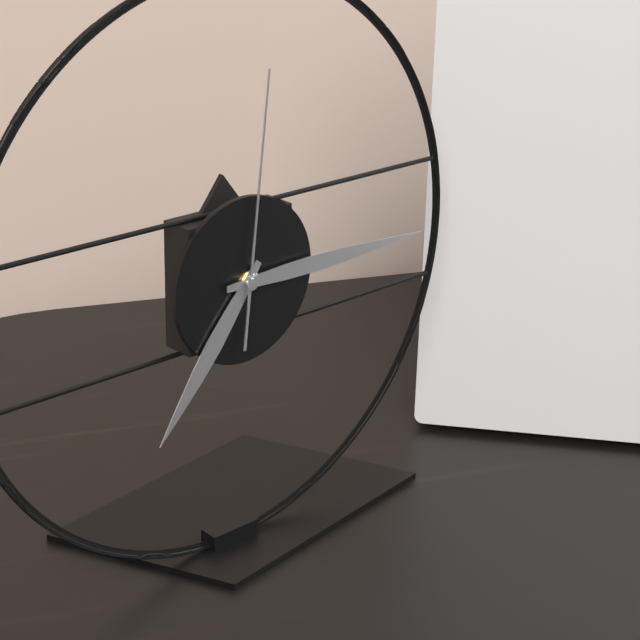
h=7 m=15 s=1
